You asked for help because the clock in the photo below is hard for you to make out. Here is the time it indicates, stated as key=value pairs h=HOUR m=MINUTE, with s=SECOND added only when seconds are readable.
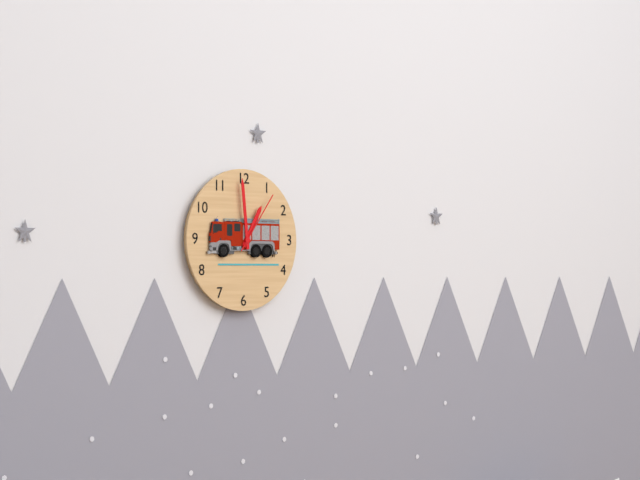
h=12 m=59 s=6
